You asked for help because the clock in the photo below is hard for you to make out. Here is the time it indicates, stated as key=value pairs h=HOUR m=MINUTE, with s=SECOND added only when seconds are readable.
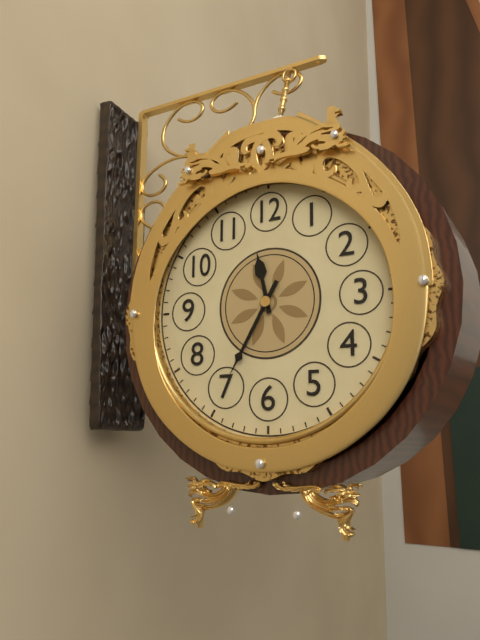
h=11 m=35
